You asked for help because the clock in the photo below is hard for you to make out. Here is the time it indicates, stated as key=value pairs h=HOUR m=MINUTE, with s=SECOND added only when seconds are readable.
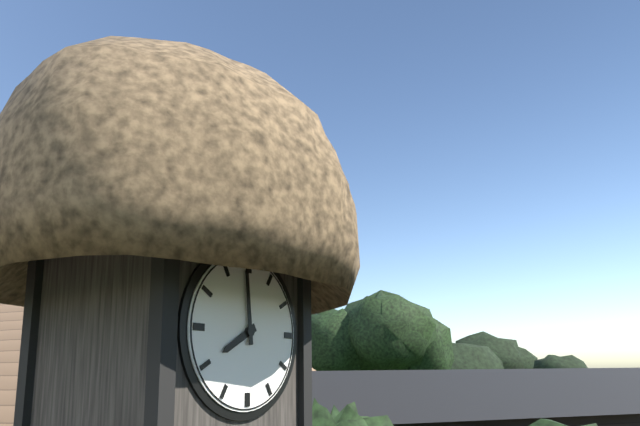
h=7 m=59
